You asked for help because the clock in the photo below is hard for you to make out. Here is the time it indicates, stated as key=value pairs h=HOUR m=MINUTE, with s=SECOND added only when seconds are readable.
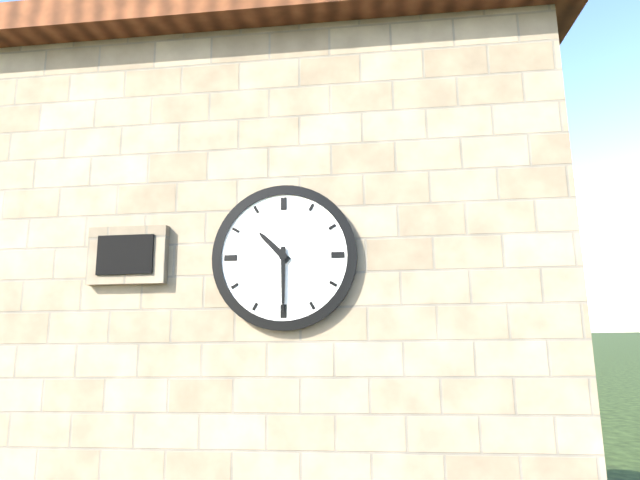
h=10 m=30
